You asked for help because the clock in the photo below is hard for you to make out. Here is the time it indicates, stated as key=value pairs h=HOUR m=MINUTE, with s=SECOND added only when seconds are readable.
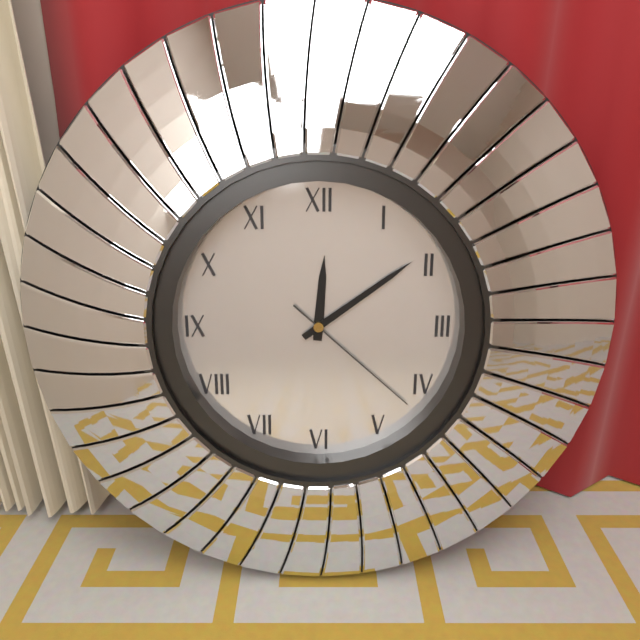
h=12 m=9 s=22
